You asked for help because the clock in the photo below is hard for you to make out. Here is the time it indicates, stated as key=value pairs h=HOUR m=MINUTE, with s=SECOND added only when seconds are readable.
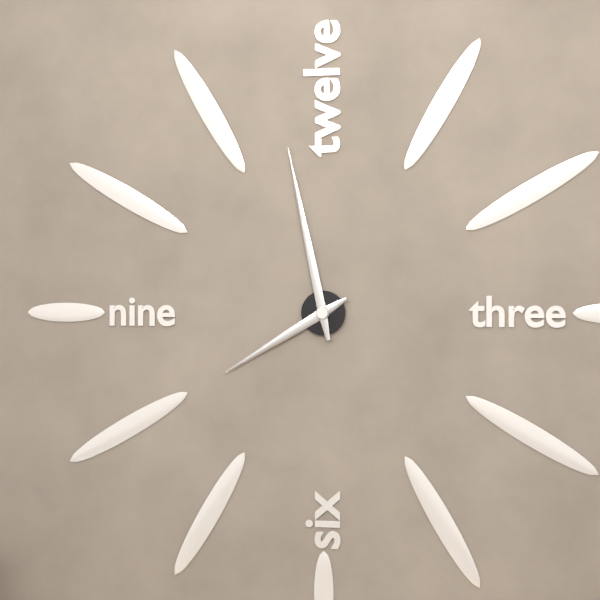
h=7 m=58
